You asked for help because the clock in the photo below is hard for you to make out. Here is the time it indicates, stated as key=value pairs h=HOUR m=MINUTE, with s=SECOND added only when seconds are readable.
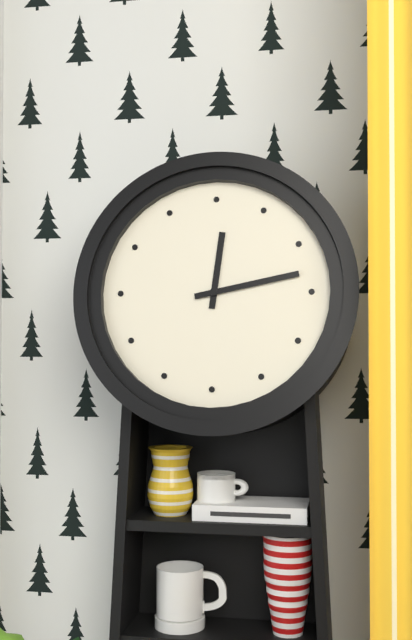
h=12 m=13
